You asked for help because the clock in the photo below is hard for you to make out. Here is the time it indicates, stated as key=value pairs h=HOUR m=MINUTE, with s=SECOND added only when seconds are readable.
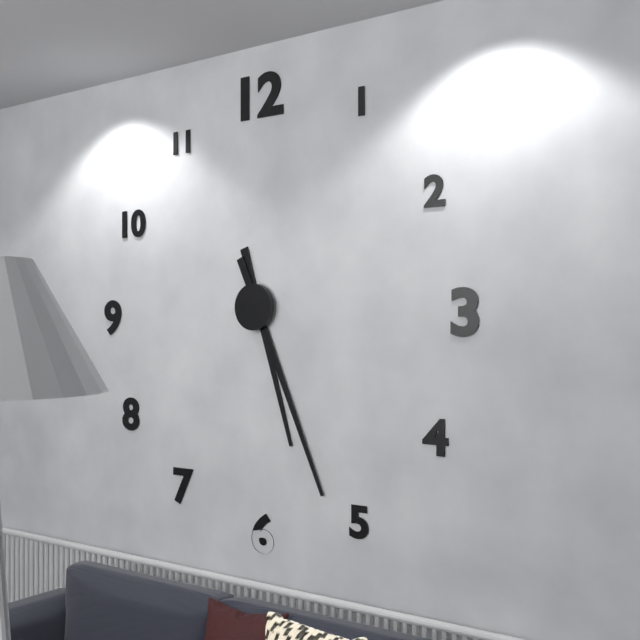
h=5 m=26
